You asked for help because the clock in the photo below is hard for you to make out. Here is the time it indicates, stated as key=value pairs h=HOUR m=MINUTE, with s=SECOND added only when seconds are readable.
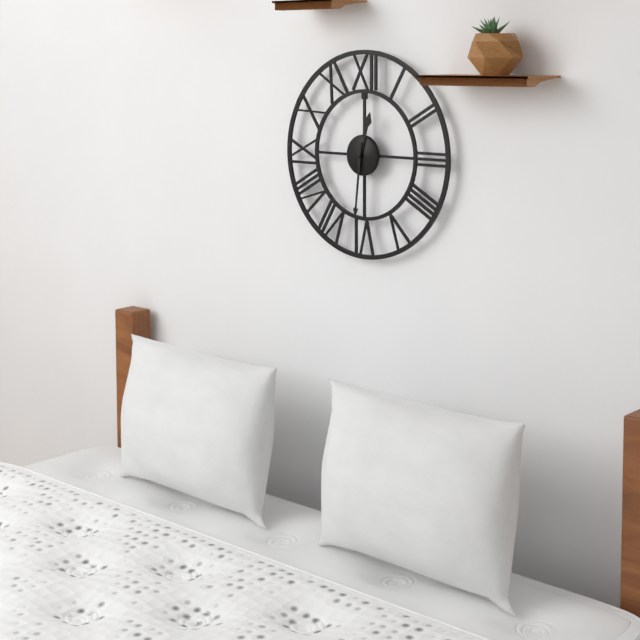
h=12 m=31
